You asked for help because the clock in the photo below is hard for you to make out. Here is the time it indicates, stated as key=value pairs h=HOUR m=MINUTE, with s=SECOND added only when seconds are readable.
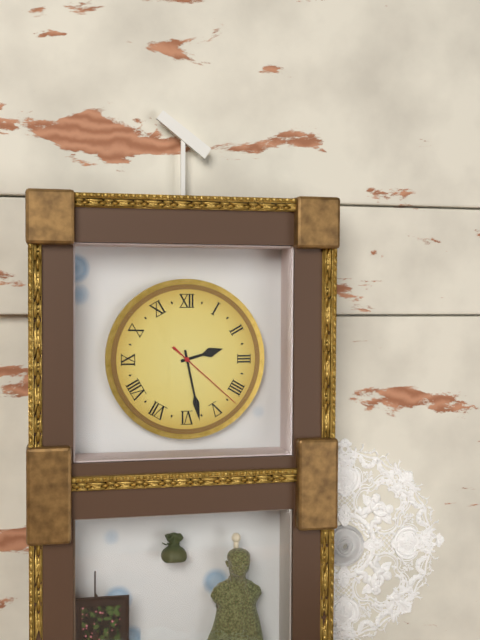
h=2 m=28 s=22
